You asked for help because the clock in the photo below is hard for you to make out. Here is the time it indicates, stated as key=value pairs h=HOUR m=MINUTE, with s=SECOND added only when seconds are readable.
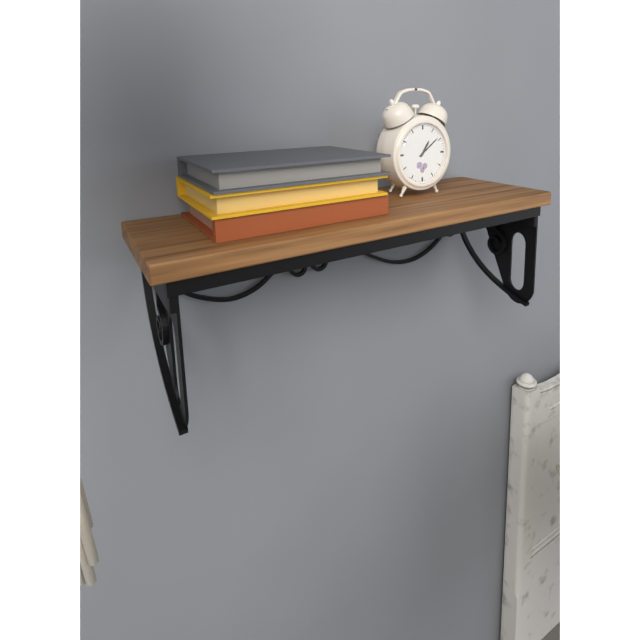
h=1 m=9
